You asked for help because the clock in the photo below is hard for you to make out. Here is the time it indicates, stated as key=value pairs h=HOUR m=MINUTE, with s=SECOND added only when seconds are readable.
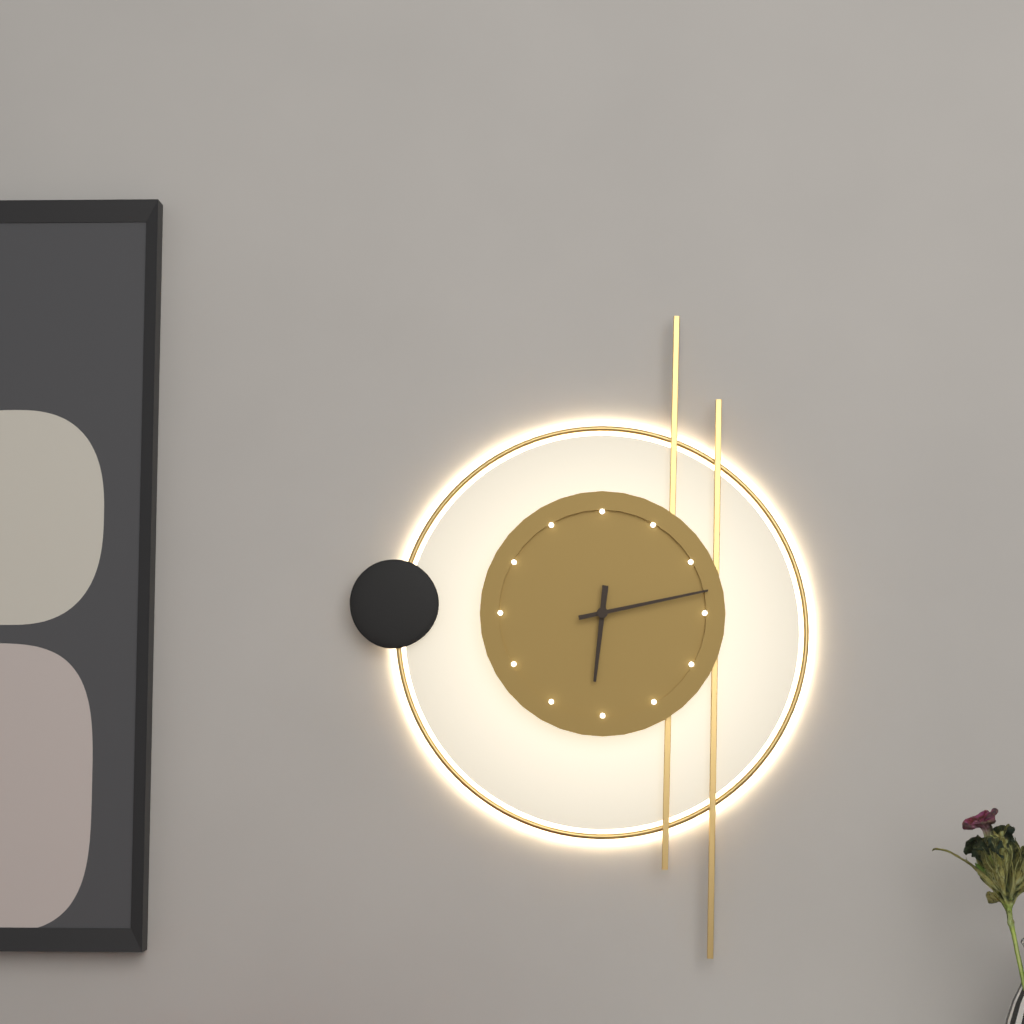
h=6 m=13
